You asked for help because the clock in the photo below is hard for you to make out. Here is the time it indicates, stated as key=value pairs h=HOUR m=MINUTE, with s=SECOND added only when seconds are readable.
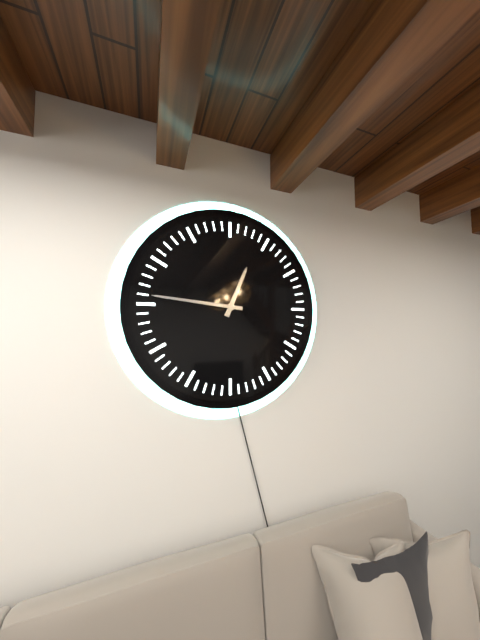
h=12 m=46
